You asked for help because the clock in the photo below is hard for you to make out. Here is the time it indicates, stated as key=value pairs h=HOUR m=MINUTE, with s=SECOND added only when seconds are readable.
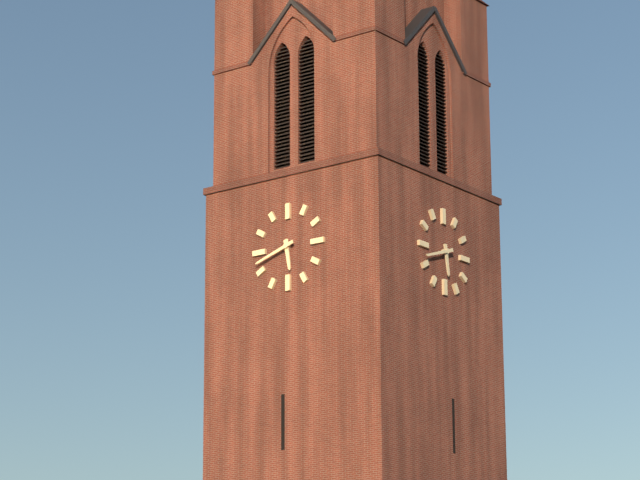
h=5 m=42
